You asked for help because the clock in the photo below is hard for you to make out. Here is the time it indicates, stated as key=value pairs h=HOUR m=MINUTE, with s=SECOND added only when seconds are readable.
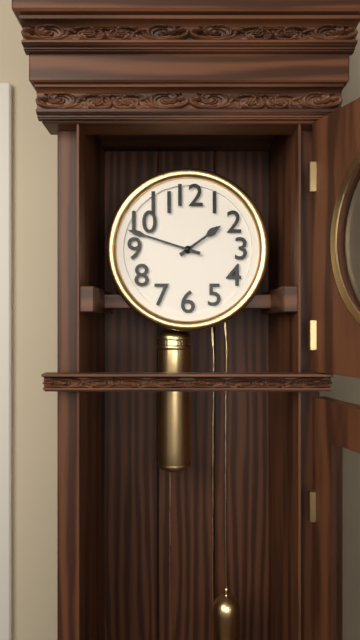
h=1 m=48
